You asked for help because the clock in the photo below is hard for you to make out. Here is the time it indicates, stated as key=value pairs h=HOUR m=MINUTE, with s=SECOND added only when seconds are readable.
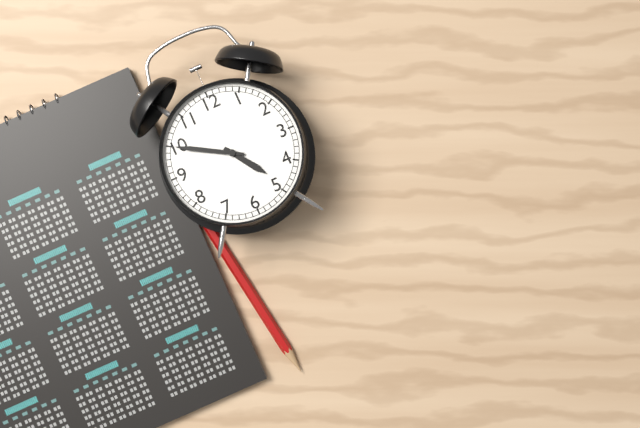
h=4 m=50
